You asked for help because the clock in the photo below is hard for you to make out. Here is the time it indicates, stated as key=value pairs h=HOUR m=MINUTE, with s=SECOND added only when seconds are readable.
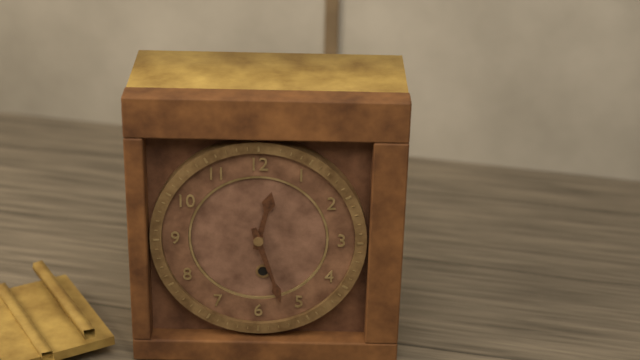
h=12 m=27
